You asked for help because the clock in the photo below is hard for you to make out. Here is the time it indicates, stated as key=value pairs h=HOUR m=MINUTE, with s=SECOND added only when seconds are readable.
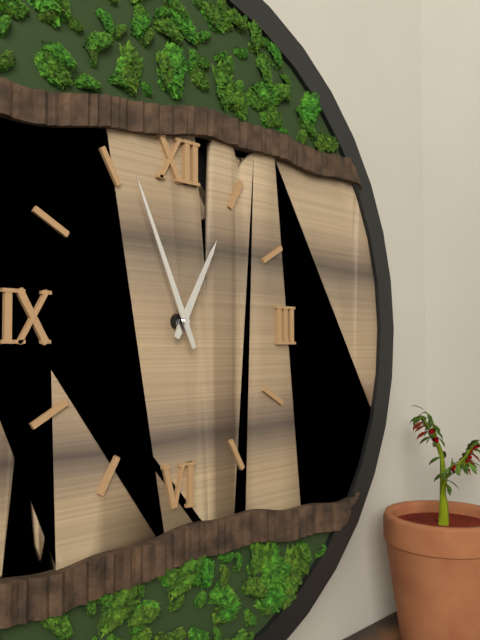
h=12 m=56
